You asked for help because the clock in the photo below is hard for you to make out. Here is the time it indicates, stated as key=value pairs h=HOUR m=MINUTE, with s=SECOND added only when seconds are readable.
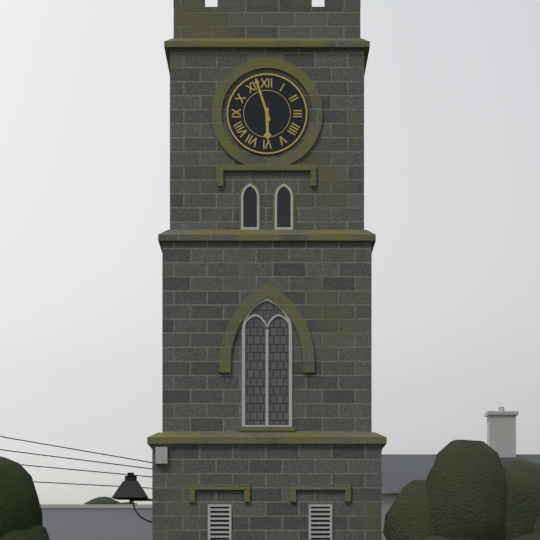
h=5 m=57
